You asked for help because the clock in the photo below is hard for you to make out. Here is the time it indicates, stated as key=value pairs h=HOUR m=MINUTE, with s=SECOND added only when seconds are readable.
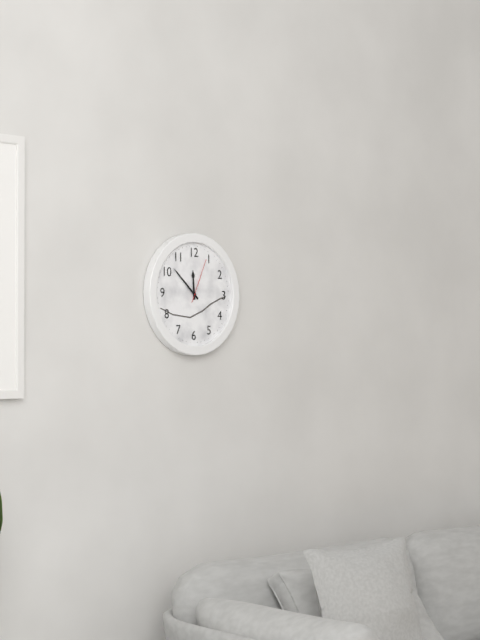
h=11 m=52
